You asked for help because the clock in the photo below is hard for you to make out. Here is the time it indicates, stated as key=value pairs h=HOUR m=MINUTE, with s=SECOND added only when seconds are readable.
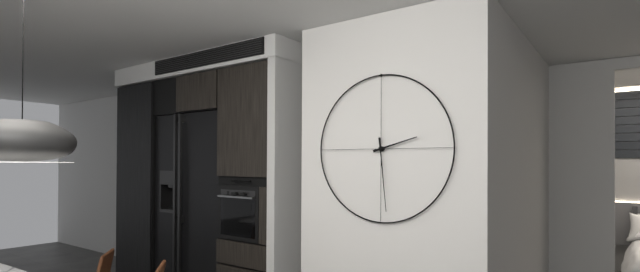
h=2 m=29
